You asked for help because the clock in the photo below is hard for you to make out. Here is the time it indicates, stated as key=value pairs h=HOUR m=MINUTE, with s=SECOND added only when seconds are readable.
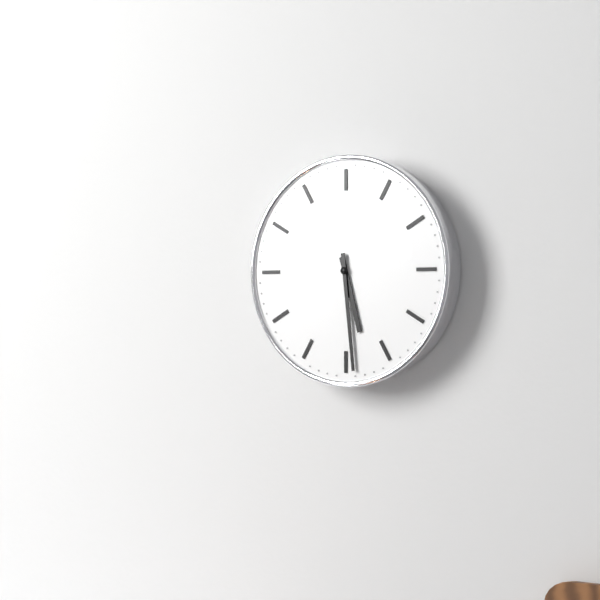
h=5 m=29
